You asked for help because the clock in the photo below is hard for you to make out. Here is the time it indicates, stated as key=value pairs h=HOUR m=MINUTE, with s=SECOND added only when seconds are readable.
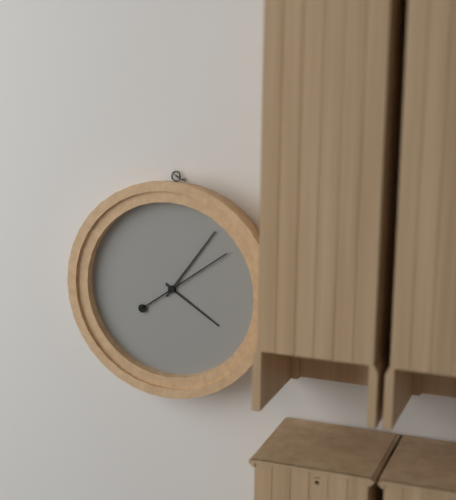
h=4 m=6 s=9
